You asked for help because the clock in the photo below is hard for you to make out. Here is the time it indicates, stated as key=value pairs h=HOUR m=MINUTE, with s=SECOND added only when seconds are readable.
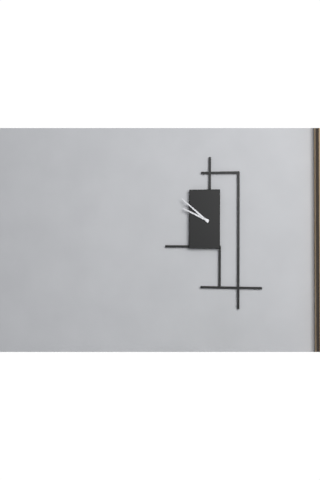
h=9 m=52
